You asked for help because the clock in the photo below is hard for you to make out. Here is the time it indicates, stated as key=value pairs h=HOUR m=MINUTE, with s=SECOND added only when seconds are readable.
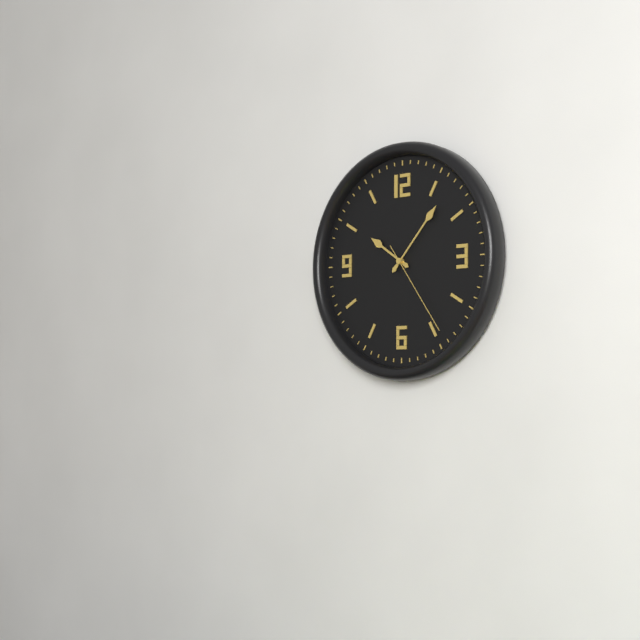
h=10 m=7 s=24
